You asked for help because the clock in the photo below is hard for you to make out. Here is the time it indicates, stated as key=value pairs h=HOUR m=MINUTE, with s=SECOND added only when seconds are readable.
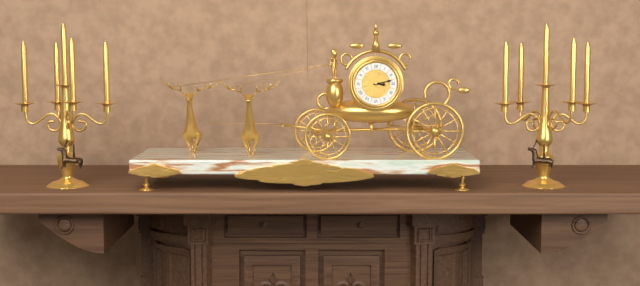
h=3 m=13
